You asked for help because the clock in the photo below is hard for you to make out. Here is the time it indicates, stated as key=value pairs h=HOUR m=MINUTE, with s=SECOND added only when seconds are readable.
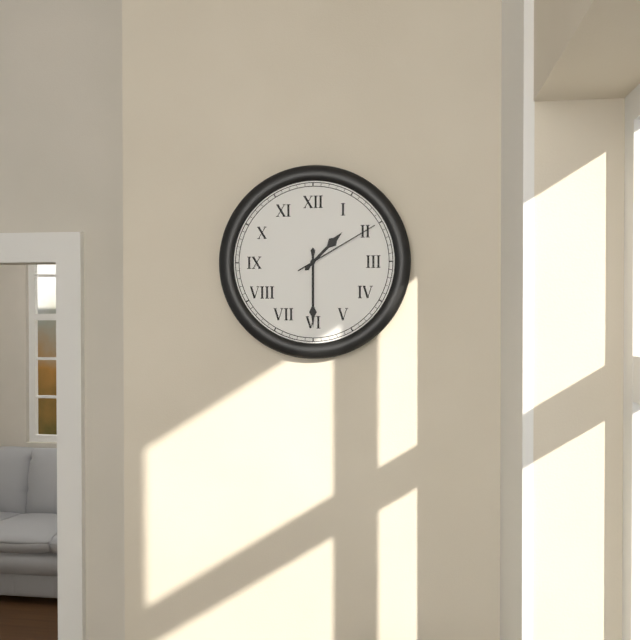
h=1 m=30 s=10
